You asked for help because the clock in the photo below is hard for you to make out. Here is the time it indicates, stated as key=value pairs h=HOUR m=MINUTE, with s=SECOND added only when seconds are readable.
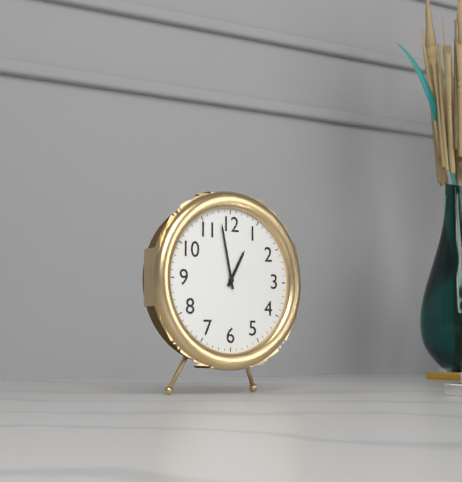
h=12 m=58
